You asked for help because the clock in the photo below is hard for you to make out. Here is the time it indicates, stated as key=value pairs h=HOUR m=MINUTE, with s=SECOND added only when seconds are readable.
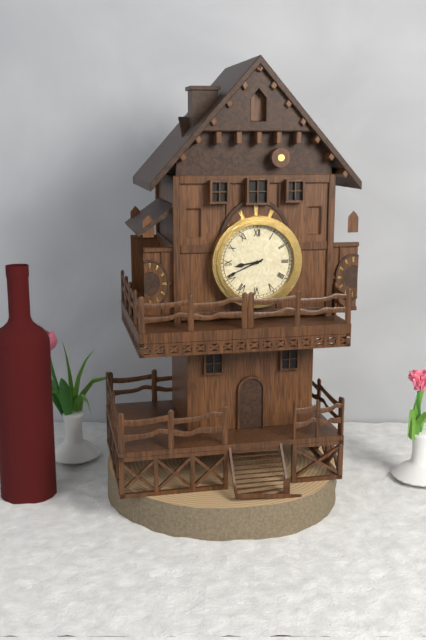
h=8 m=41
